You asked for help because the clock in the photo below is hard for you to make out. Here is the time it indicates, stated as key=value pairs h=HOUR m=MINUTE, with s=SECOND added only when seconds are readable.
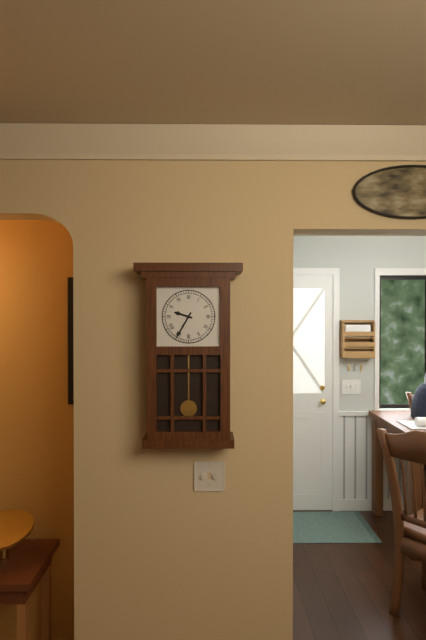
h=9 m=35
